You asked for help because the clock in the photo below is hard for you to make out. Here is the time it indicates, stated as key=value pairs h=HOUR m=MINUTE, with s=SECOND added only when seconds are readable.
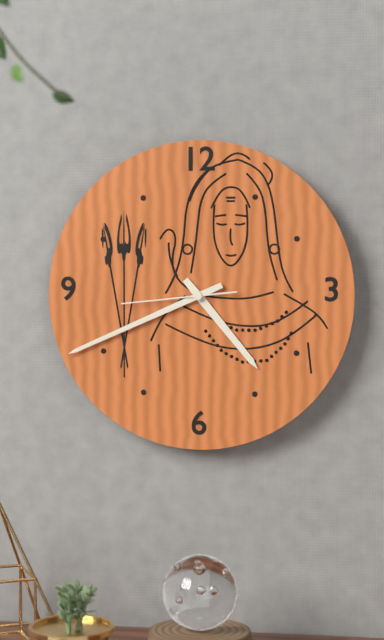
h=4 m=41 s=44
